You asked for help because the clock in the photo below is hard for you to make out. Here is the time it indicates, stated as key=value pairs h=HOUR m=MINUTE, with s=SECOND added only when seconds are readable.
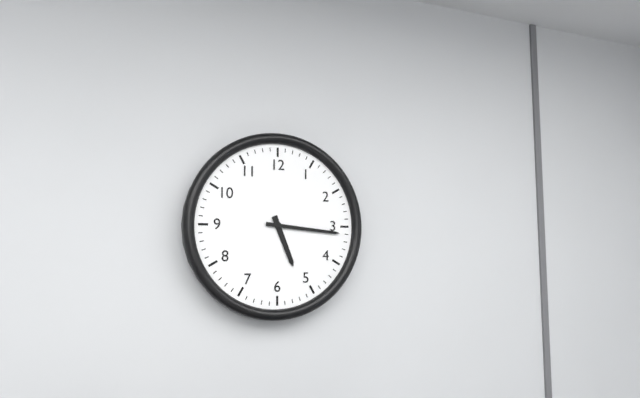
h=5 m=16
